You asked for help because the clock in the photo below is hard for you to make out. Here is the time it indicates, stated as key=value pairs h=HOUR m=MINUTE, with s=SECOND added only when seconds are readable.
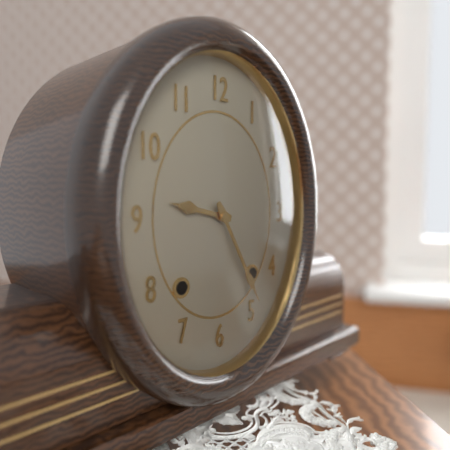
h=9 m=25
